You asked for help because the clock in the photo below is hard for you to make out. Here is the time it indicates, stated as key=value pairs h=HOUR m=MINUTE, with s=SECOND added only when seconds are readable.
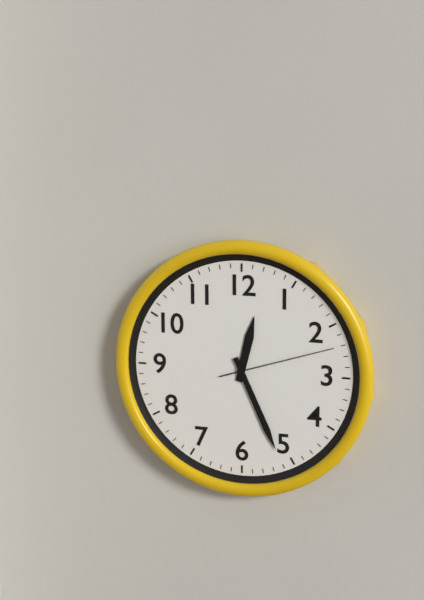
h=12 m=26 s=12
